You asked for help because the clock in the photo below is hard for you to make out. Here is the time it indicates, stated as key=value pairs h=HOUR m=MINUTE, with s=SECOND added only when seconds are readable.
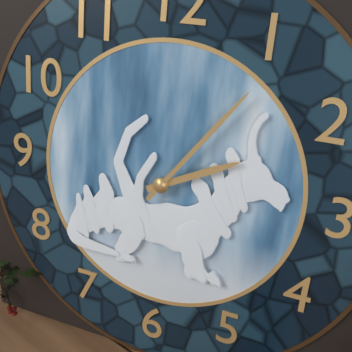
h=2 m=6
